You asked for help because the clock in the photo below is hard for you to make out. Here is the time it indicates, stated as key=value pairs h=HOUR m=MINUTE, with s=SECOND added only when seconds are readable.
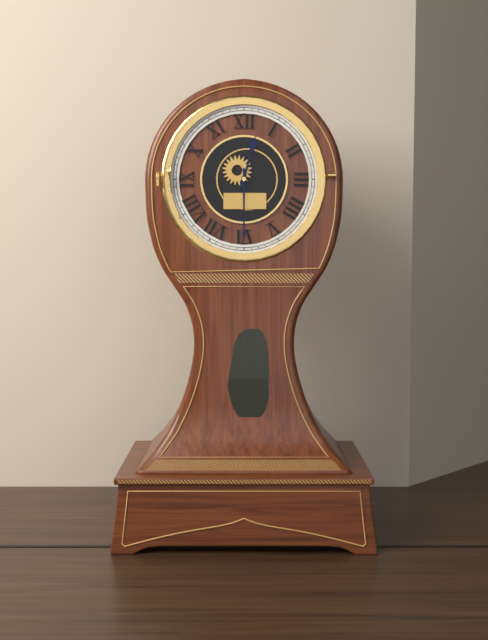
h=12 m=30
